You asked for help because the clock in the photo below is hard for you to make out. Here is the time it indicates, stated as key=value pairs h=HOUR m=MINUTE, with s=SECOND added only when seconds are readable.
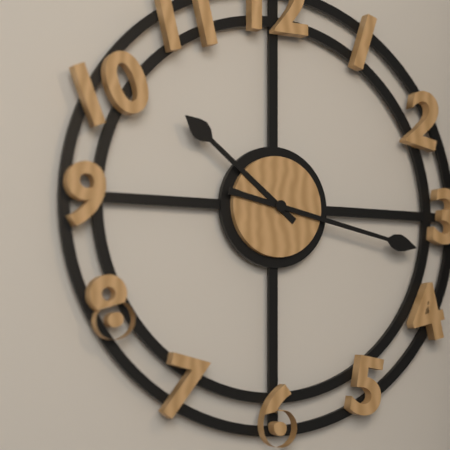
h=10 m=17
